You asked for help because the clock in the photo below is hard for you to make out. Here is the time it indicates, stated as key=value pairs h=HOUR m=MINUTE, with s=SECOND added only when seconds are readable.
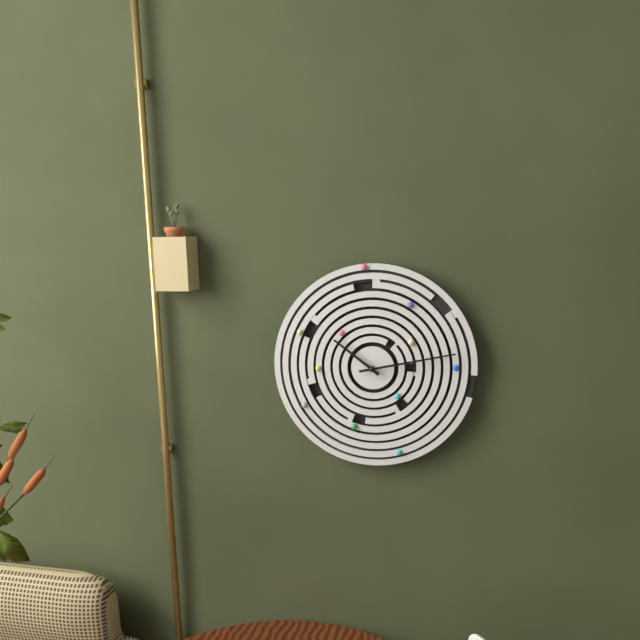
h=10 m=13
